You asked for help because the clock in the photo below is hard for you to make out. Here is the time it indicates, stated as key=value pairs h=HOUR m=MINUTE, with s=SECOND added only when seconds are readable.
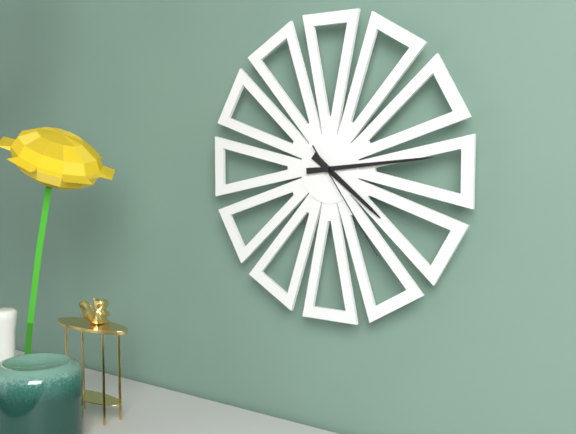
h=4 m=14 s=24
